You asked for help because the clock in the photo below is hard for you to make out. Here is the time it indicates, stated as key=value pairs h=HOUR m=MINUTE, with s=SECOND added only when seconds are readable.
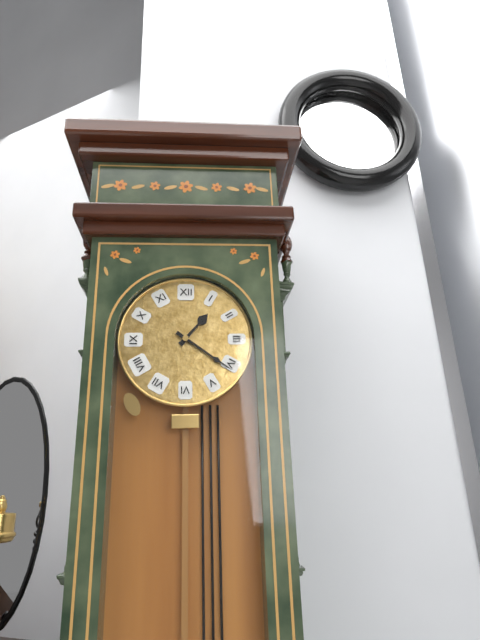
h=1 m=21
